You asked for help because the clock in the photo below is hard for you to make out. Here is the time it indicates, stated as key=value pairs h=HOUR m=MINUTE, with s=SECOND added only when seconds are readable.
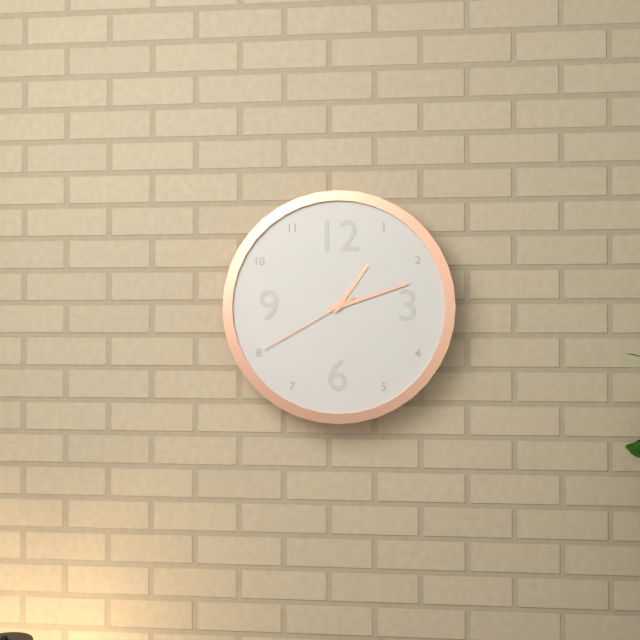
h=1 m=12 s=40
